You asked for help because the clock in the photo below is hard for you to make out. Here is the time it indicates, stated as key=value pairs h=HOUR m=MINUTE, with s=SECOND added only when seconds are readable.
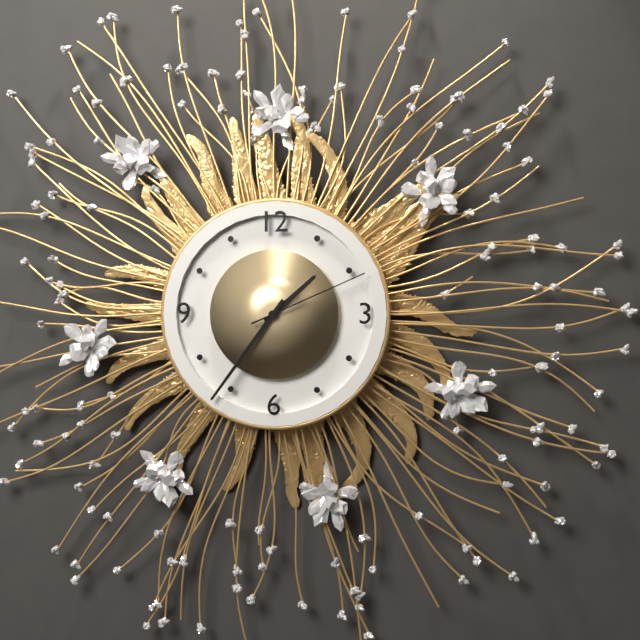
h=1 m=36 s=11
